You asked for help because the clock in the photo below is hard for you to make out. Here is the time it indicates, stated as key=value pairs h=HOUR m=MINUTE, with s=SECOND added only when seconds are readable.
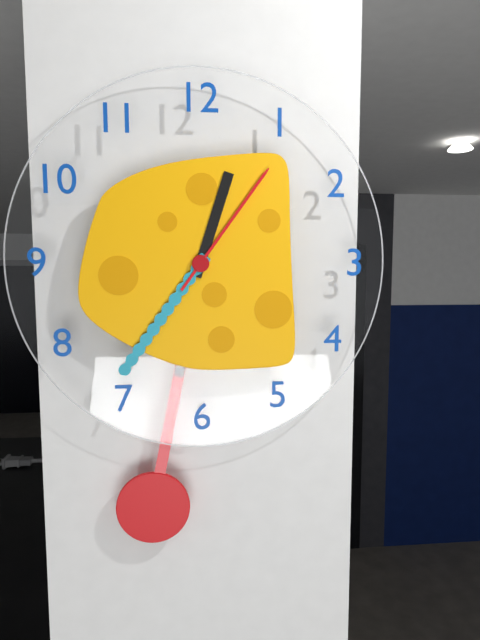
h=12 m=36 s=6
